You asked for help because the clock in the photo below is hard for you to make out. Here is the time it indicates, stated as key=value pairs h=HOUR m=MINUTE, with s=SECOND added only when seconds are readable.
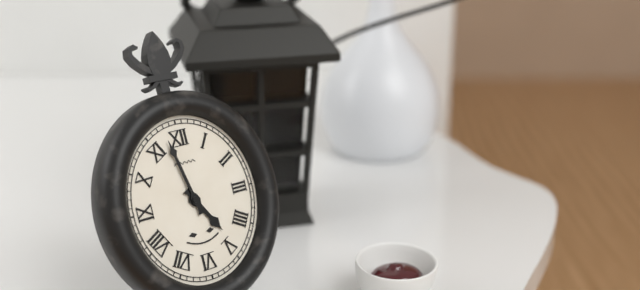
h=4 m=58
